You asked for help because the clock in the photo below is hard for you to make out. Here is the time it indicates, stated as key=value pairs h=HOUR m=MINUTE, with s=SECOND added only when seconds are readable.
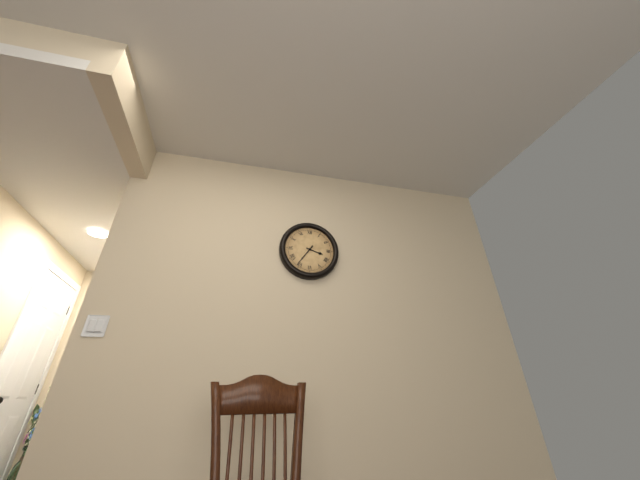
h=3 m=36
